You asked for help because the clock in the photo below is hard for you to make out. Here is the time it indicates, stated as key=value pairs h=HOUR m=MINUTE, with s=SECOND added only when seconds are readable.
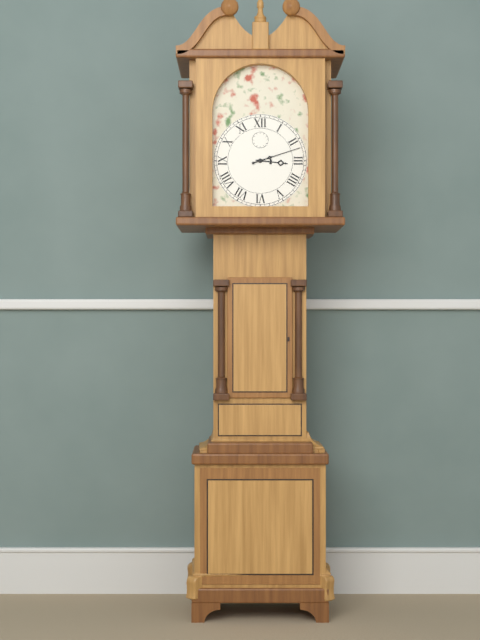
h=3 m=12
